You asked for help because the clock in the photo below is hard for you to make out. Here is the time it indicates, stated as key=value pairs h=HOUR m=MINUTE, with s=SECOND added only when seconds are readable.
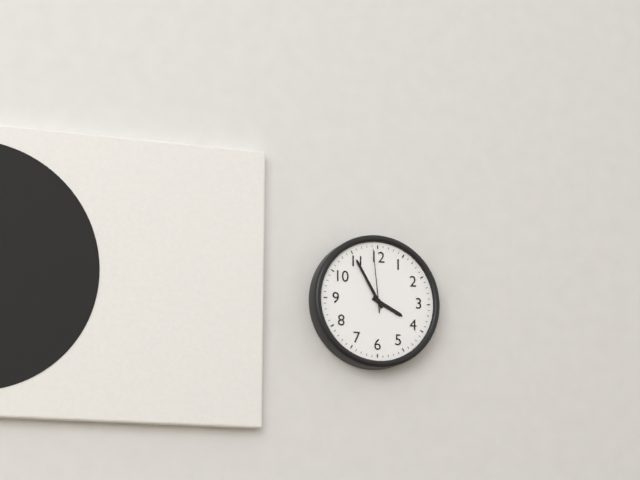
h=3 m=55 s=59
